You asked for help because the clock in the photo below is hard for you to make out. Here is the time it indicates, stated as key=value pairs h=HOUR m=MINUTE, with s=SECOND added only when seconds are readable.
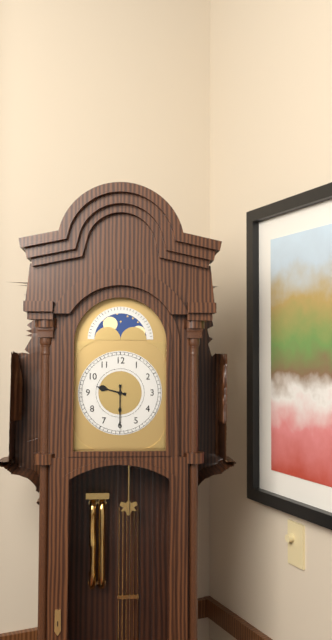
h=9 m=30
